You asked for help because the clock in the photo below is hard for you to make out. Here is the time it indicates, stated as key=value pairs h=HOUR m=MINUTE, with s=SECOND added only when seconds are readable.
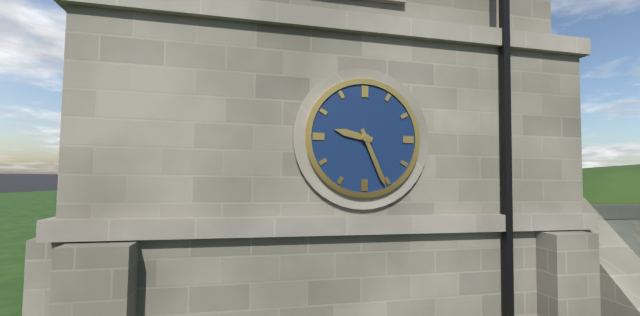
h=9 m=26
